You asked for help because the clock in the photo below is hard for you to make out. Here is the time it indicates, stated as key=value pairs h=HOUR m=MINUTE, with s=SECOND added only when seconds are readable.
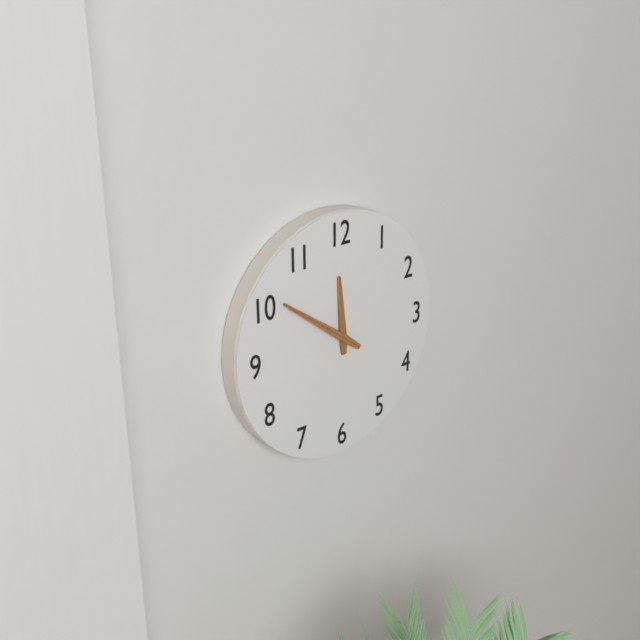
h=11 m=51
